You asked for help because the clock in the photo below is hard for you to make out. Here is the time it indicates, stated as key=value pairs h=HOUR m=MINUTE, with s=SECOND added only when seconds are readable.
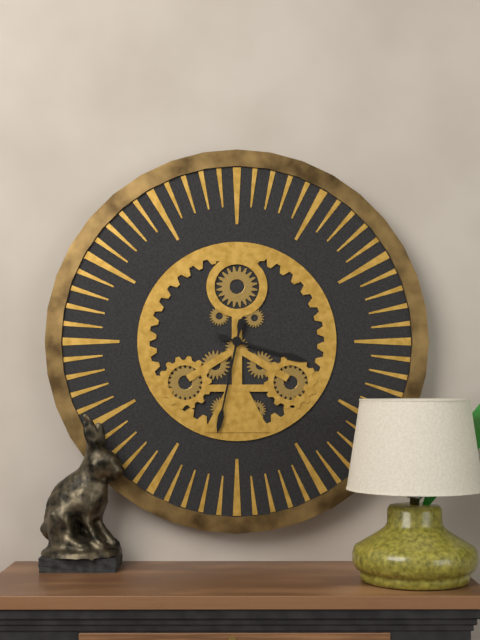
h=3 m=32
